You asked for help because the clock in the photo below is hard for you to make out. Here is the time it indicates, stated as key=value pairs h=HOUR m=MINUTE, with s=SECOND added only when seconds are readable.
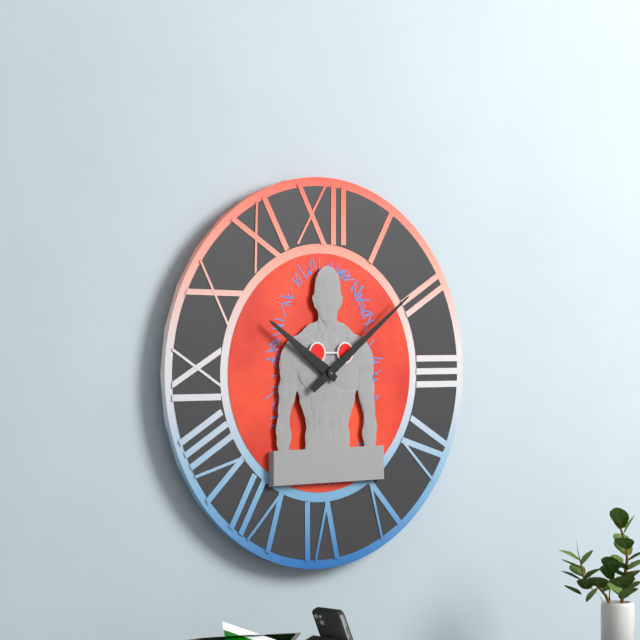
h=10 m=9
